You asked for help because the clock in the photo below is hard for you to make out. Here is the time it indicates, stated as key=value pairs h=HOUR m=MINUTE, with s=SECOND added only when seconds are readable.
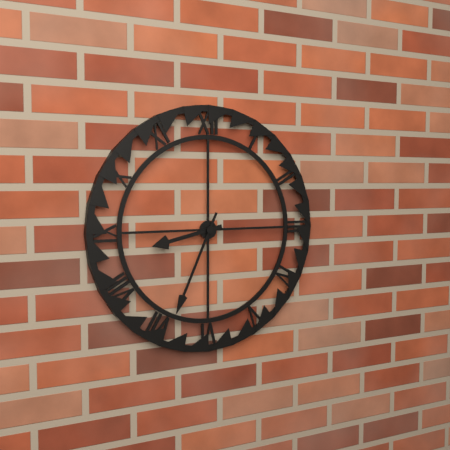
h=8 m=34
